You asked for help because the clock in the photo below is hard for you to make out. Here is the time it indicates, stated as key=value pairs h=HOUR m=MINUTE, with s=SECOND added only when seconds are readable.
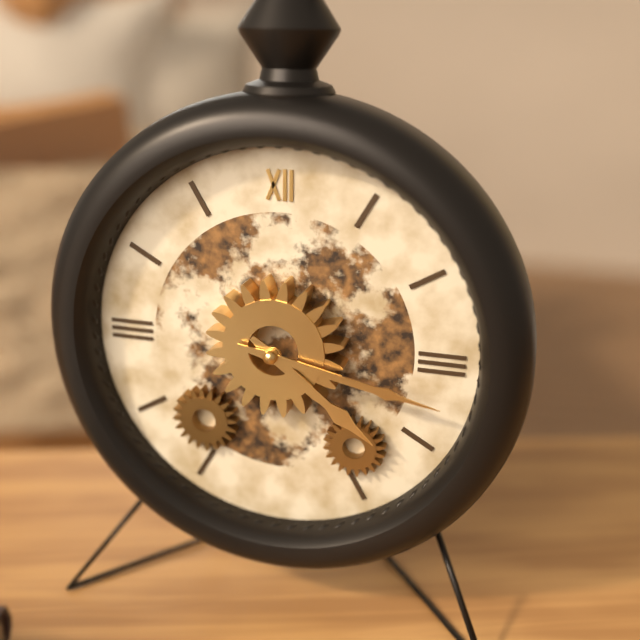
h=4 m=17
